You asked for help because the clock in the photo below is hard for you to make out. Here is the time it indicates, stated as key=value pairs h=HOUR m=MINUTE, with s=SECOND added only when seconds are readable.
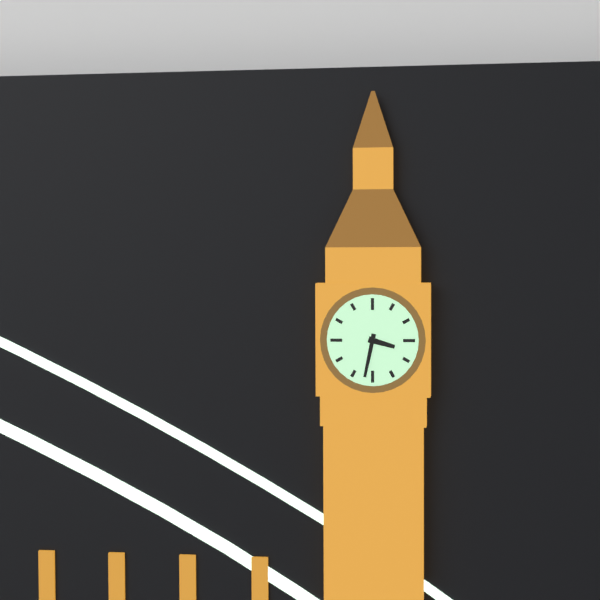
h=3 m=32
